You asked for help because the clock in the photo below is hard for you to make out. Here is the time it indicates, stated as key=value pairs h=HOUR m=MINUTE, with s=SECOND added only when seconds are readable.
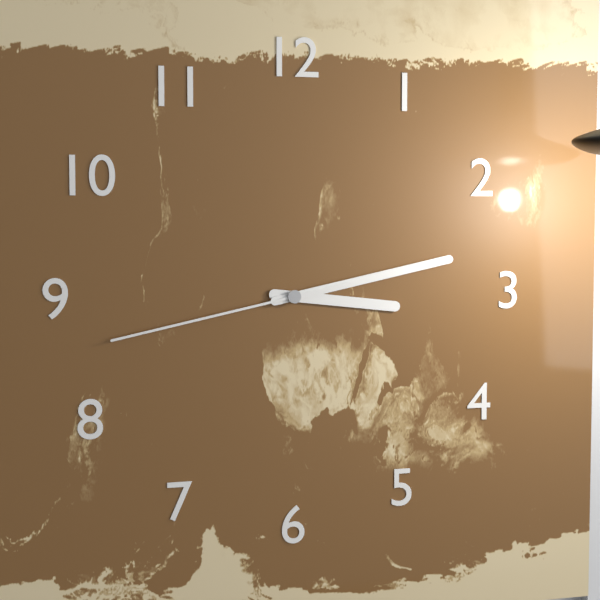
h=3 m=13 s=43
